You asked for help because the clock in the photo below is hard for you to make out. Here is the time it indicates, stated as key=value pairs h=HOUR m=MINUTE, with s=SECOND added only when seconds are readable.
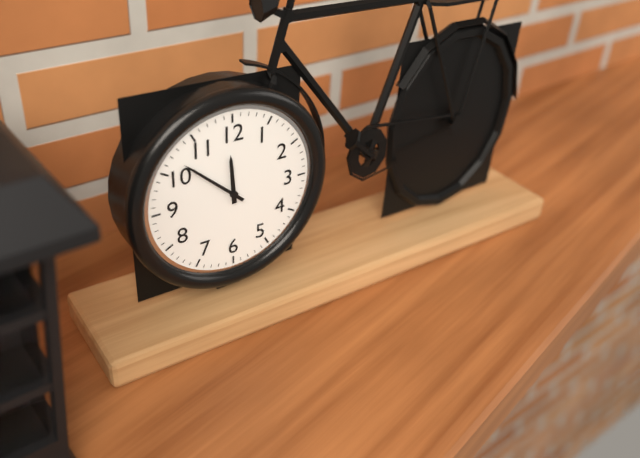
h=11 m=52
